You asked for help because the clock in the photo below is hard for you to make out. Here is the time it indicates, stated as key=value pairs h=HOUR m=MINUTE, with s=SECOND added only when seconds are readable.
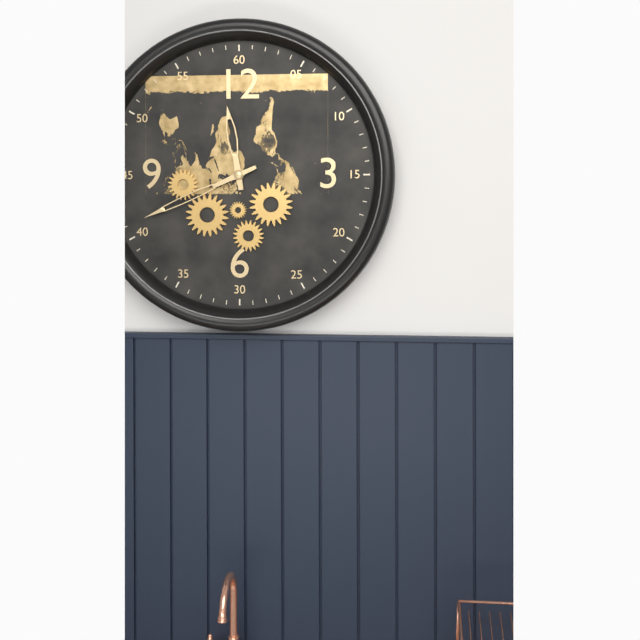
h=11 m=41
